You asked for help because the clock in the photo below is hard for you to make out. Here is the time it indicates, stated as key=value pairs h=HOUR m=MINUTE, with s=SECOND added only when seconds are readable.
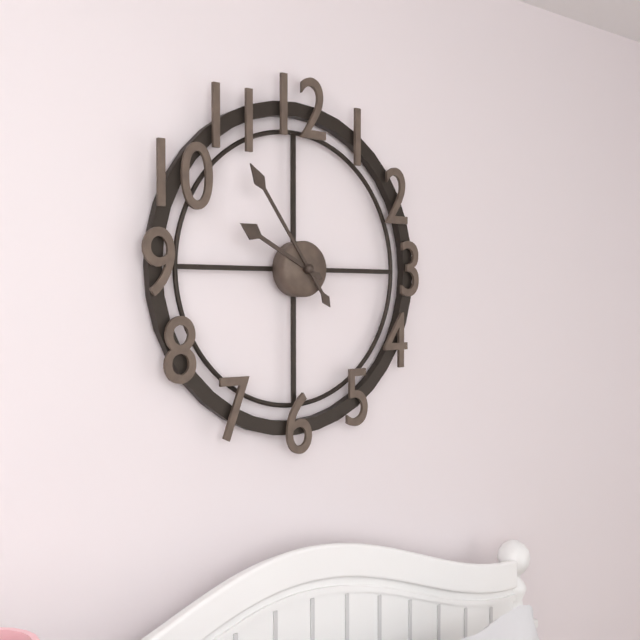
h=9 m=54
